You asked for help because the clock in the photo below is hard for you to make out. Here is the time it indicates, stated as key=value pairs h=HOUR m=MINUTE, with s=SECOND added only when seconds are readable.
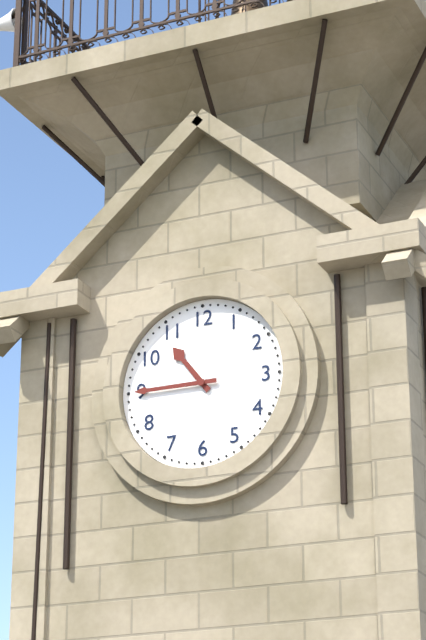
h=10 m=45
